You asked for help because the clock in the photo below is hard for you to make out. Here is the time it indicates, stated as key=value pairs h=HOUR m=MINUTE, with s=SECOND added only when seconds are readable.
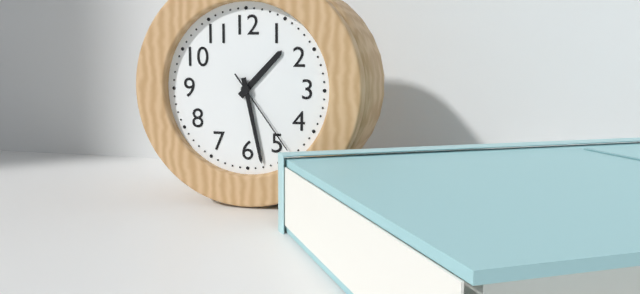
h=1 m=28 s=24
